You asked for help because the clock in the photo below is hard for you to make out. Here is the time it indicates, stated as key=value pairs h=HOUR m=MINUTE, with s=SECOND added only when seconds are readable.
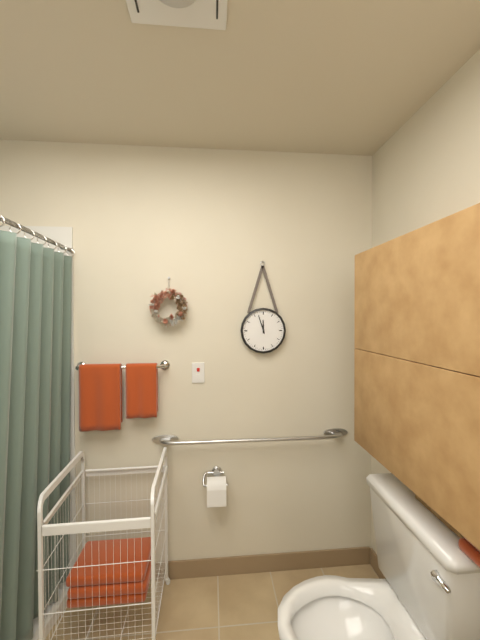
h=11 m=57
